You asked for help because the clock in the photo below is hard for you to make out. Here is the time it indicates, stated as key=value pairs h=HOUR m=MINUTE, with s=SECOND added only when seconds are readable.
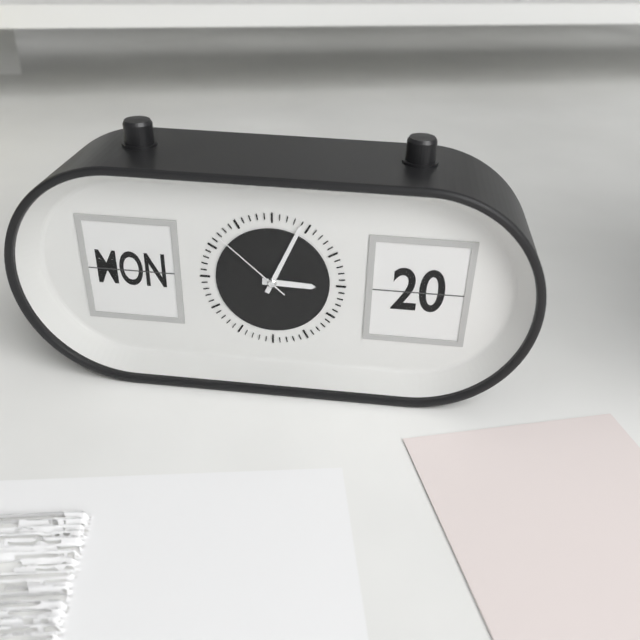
h=3 m=4 s=52
